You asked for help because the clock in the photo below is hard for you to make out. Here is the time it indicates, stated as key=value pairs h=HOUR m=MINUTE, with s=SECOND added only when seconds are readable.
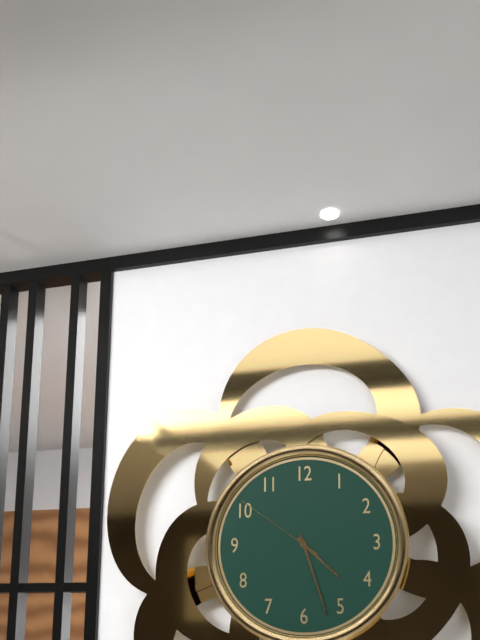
h=4 m=27 s=51
